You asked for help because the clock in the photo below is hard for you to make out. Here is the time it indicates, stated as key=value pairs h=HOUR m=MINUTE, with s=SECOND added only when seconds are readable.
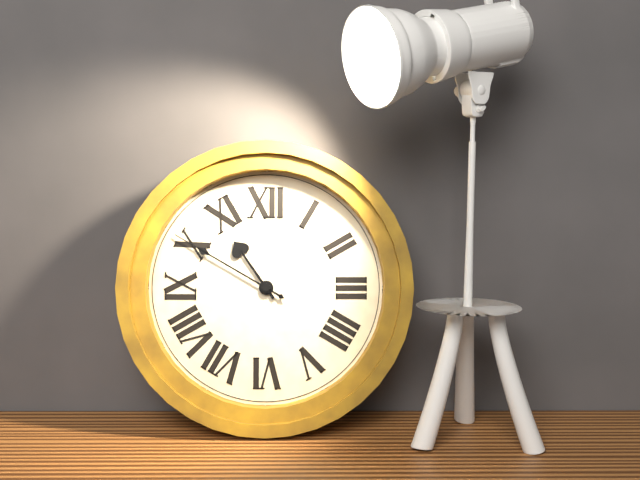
h=10 m=50
